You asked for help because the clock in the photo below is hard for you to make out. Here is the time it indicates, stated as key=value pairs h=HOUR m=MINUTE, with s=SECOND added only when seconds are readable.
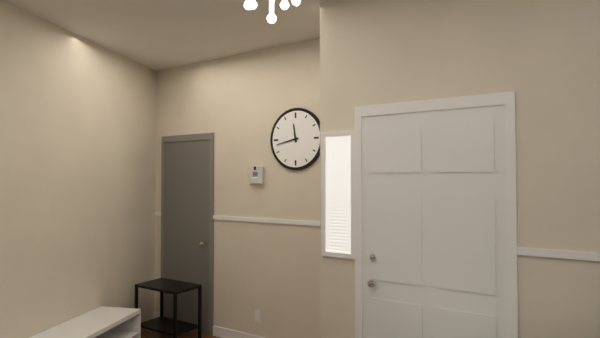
h=11 m=43
